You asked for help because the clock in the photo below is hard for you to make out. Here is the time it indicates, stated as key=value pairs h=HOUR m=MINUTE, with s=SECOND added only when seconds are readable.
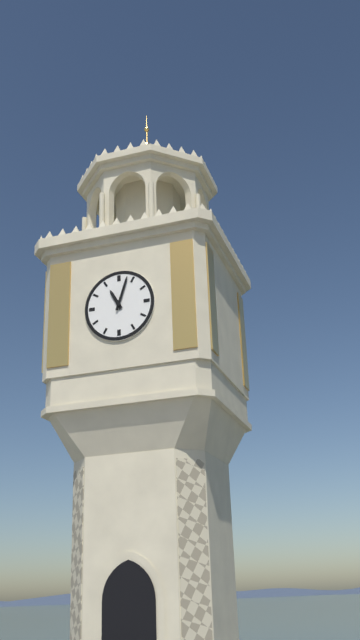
h=11 m=3
